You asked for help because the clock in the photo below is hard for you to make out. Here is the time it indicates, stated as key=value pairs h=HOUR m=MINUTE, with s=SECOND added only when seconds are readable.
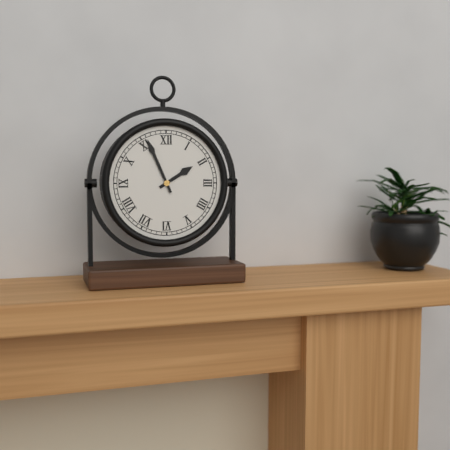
h=1 m=56
